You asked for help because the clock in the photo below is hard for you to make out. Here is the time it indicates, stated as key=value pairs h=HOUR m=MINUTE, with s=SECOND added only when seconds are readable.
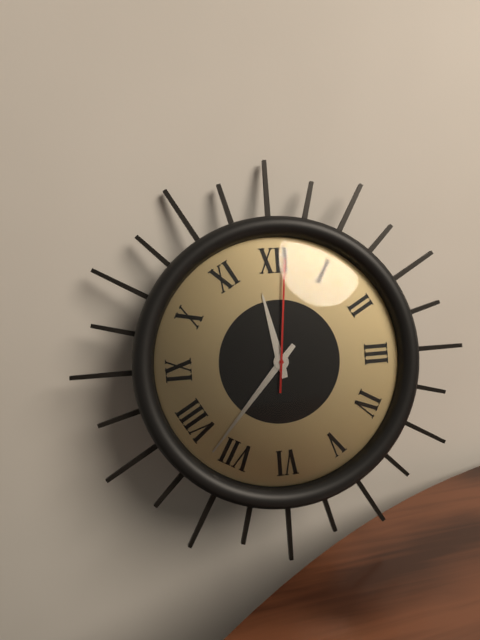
h=11 m=37 s=1
